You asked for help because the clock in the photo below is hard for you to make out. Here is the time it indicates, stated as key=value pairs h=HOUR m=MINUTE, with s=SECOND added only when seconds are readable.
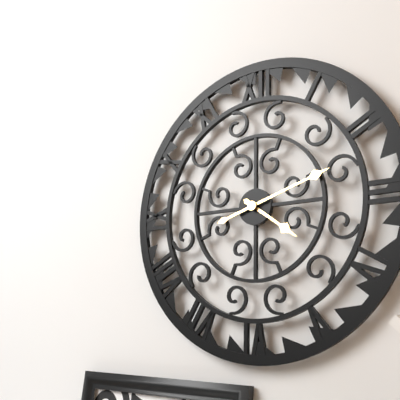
h=4 m=12
